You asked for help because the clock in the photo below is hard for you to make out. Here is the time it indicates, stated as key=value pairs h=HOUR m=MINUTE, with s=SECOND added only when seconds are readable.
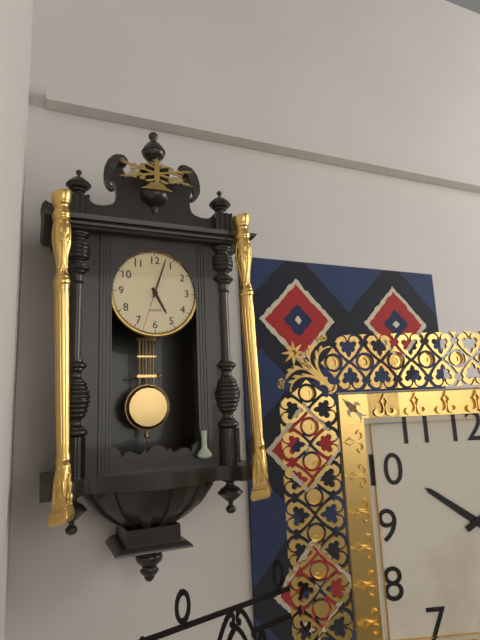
h=5 m=3
